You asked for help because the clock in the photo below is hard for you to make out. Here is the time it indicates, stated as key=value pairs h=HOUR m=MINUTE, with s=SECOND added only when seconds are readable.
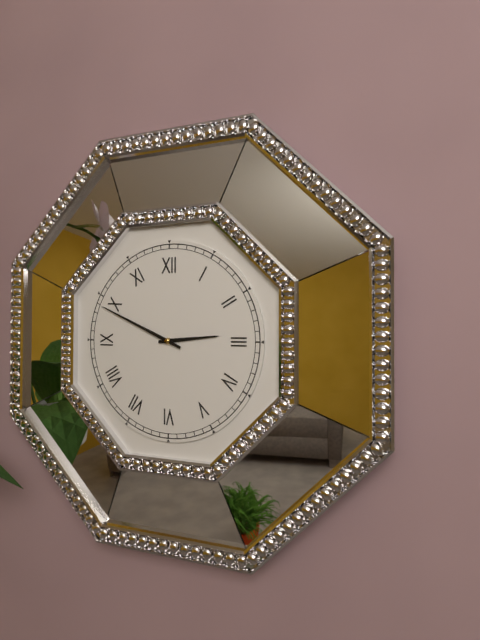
h=2 m=49
